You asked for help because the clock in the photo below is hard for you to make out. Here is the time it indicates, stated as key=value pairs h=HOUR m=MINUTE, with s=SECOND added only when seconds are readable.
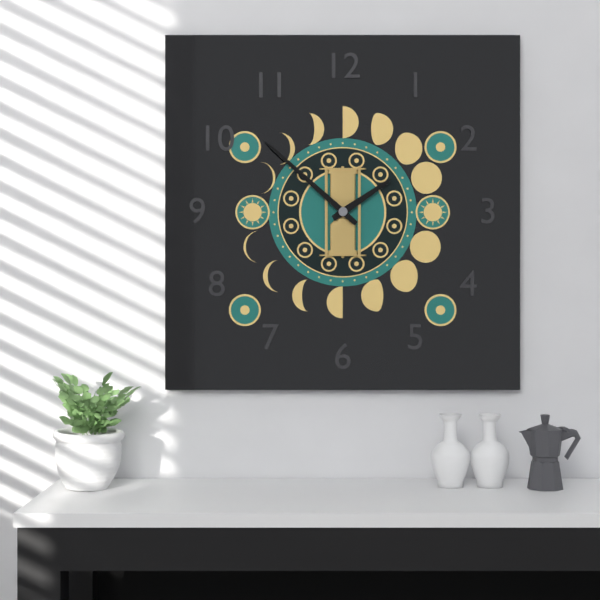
h=1 m=52
